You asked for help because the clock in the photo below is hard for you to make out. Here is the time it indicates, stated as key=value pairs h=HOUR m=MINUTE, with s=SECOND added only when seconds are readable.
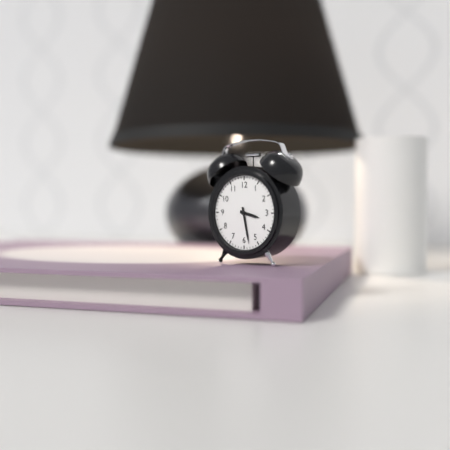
h=3 m=28
